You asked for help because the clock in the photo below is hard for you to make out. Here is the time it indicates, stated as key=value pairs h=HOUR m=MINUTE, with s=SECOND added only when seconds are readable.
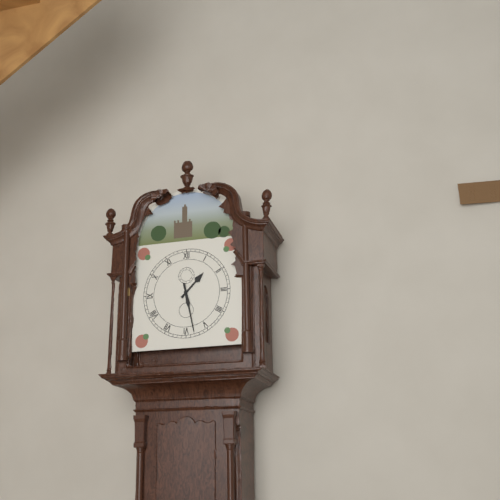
h=1 m=28
